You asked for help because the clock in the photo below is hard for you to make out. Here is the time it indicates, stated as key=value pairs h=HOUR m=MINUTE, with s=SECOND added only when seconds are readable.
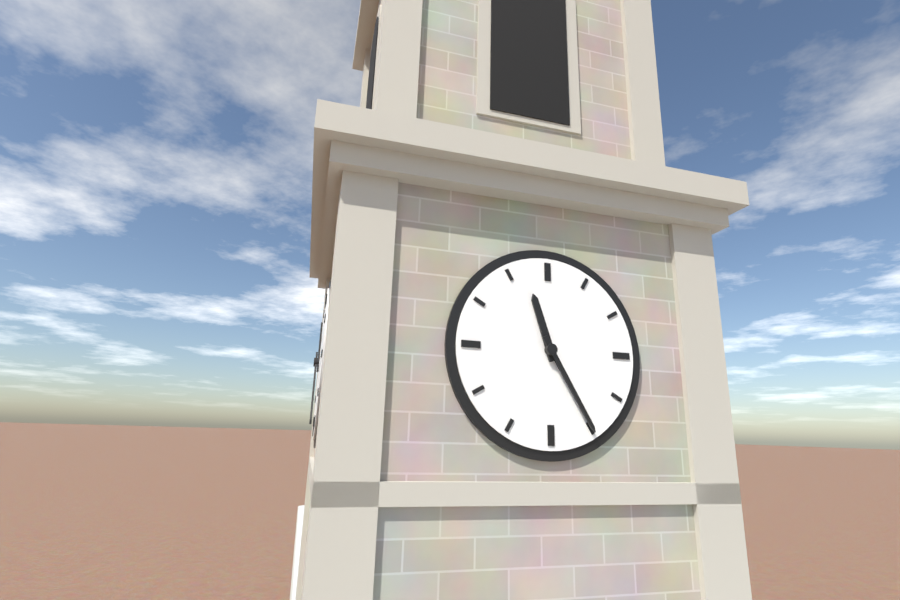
h=11 m=25
